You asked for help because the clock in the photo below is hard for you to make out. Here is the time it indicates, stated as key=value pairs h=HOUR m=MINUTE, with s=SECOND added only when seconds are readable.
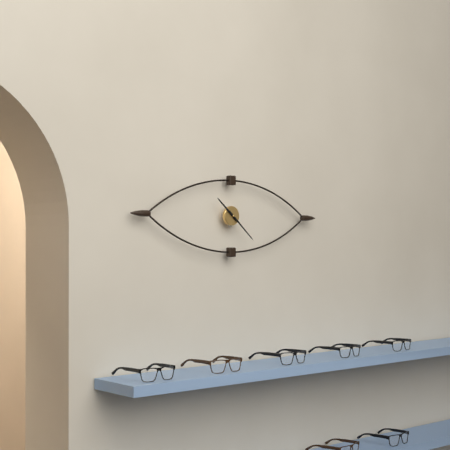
h=10 m=22
